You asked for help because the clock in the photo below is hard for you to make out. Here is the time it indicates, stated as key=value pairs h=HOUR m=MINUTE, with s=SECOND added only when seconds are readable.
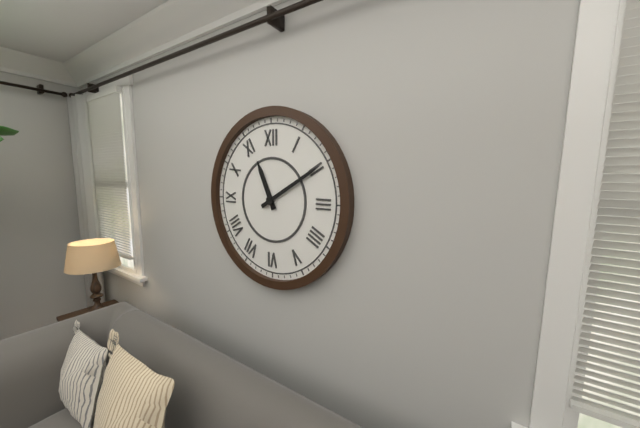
h=11 m=10
